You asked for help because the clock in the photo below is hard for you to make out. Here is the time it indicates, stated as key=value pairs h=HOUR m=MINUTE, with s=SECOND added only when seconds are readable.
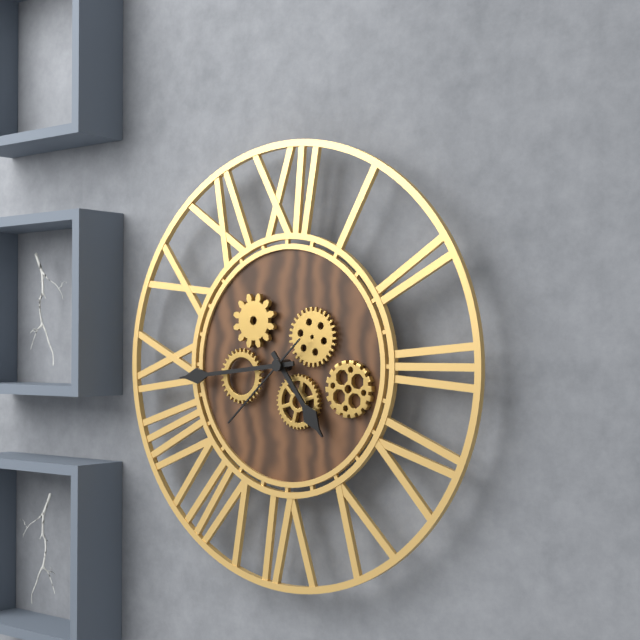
h=4 m=44 s=38
